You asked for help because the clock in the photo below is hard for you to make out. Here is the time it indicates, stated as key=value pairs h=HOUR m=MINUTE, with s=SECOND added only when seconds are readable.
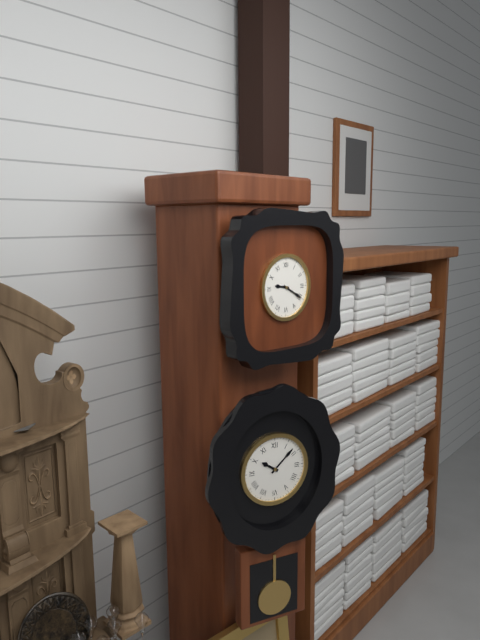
h=9 m=20
